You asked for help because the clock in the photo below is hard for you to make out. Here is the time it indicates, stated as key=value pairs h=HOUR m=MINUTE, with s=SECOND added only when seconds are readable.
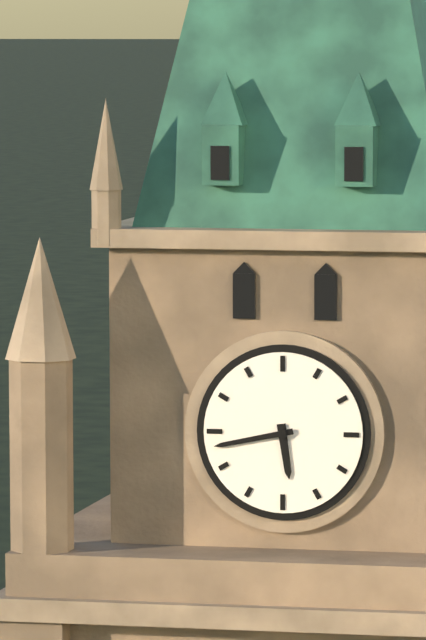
h=5 m=43
